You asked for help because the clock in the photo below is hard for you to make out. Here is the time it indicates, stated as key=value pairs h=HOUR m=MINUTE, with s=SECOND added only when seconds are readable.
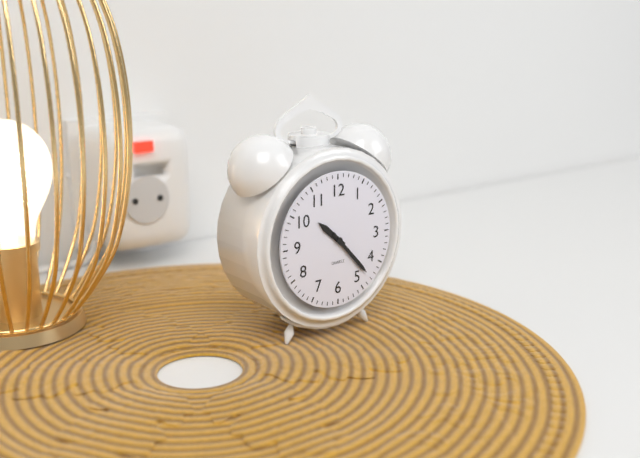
h=10 m=23
